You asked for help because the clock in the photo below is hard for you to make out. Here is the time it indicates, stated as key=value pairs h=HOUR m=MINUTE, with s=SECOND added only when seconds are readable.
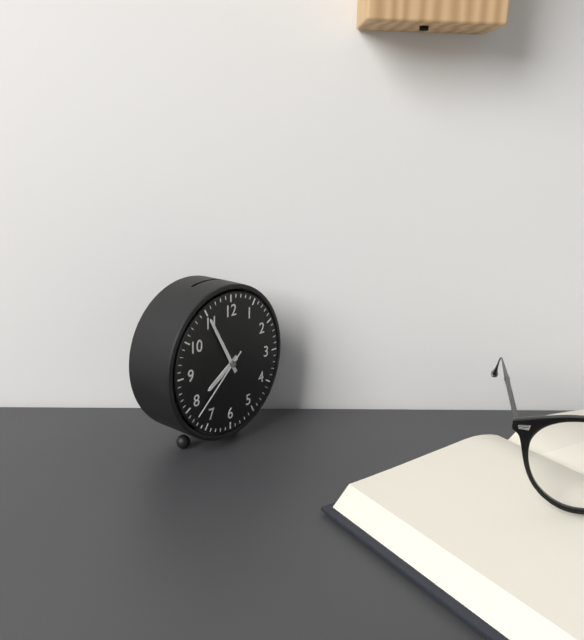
h=7 m=55 s=38
